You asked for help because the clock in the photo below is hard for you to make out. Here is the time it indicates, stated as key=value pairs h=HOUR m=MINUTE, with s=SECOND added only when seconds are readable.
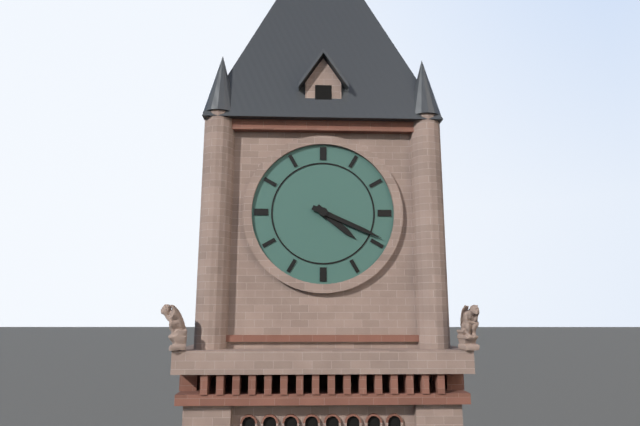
h=4 m=19
